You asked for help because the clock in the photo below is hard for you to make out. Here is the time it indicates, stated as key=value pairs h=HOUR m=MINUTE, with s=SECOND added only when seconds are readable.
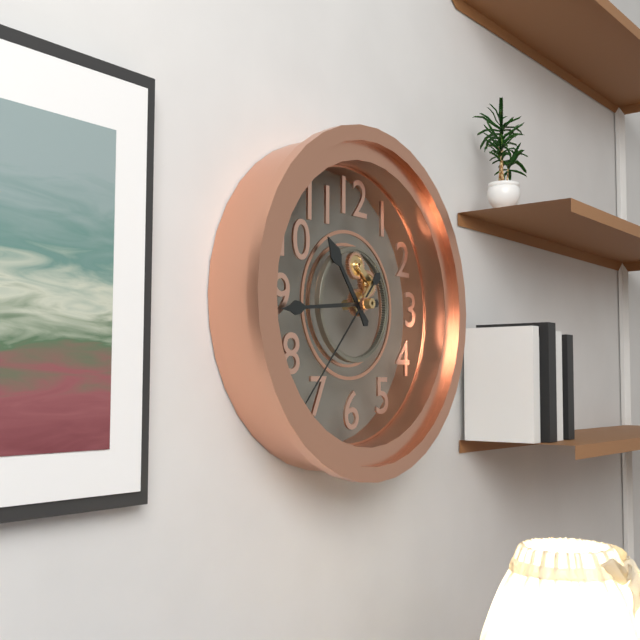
h=10 m=44 s=37
